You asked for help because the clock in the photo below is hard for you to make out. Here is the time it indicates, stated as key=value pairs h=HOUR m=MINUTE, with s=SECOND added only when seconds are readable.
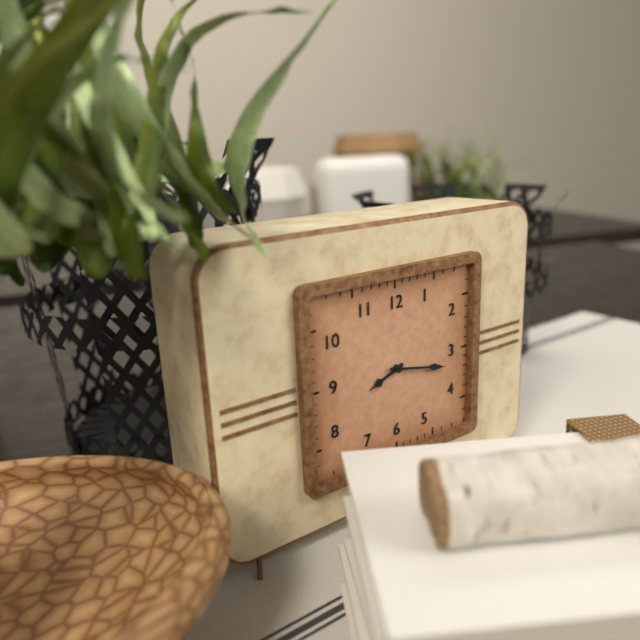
h=8 m=17
